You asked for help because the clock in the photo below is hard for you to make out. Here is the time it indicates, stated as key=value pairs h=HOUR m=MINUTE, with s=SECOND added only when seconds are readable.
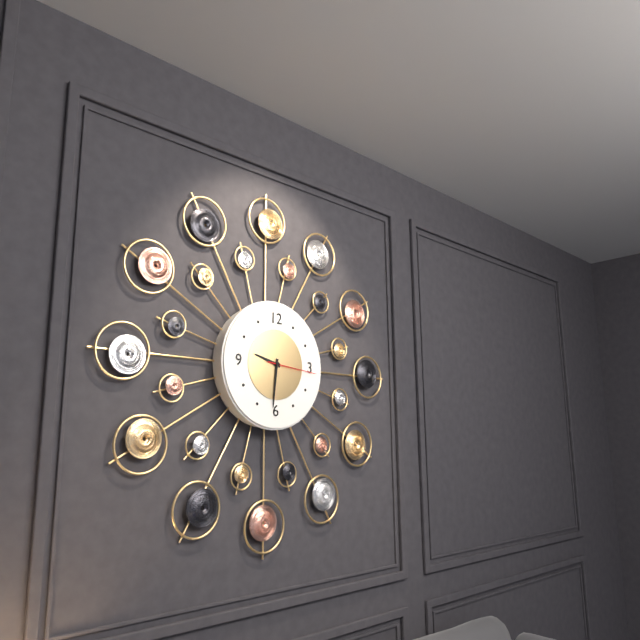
h=9 m=31 s=16
